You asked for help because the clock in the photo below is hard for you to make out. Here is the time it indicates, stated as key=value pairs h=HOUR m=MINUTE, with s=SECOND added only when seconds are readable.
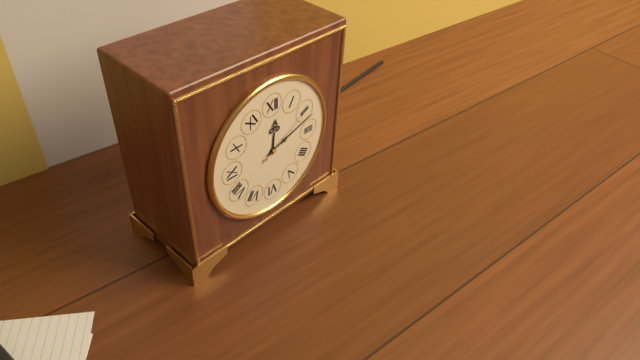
h=12 m=12 s=10
